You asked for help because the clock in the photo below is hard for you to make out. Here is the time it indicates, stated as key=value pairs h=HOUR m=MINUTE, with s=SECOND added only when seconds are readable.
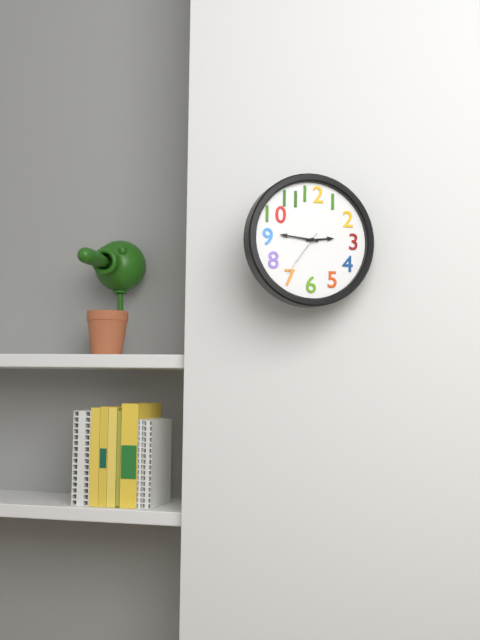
h=2 m=46 s=36
